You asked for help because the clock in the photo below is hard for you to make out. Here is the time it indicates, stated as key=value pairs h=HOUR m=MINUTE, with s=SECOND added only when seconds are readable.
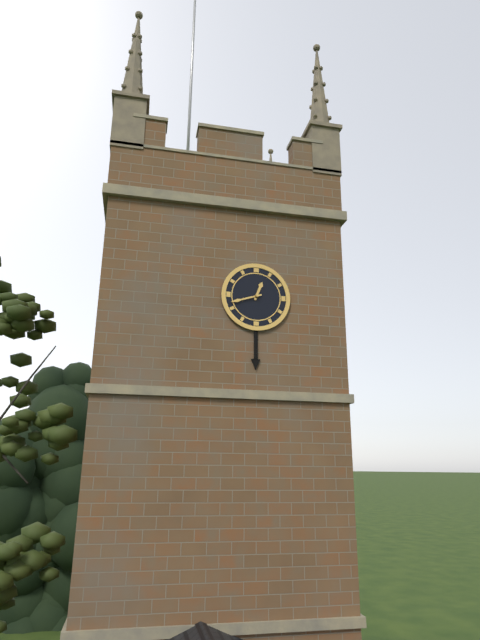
h=12 m=42
